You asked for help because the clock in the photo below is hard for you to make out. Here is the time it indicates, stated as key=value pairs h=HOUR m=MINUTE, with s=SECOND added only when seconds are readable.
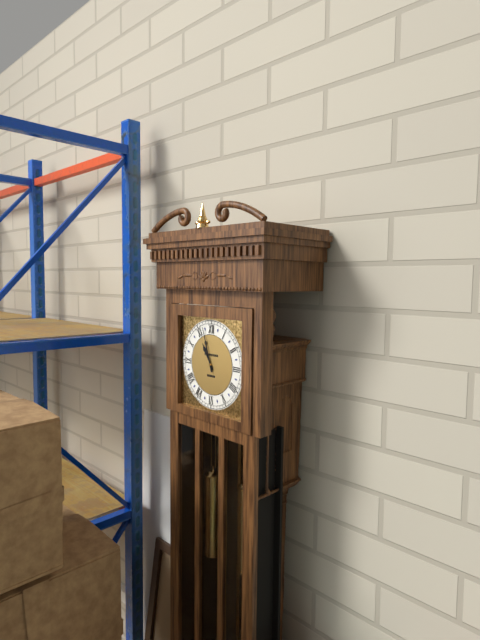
h=10 m=57
